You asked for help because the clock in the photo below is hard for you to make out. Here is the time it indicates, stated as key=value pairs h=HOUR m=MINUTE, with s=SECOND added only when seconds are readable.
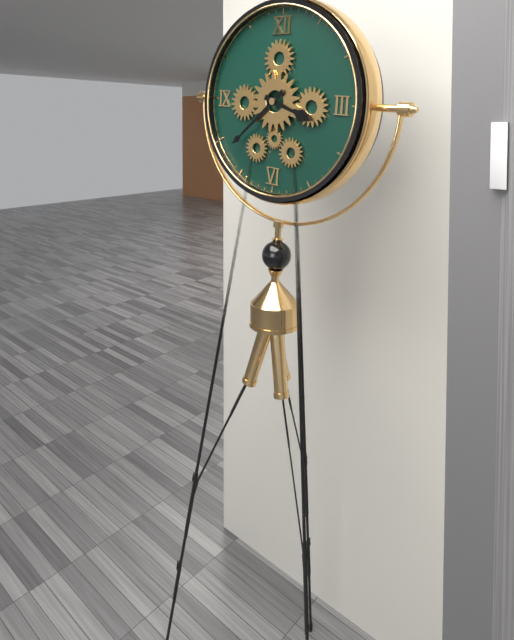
h=3 m=38
